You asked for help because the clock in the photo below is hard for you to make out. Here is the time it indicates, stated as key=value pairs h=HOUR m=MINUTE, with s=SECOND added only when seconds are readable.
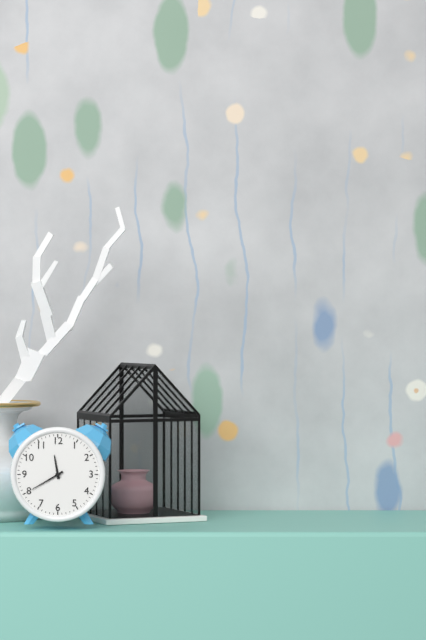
h=11 m=40
